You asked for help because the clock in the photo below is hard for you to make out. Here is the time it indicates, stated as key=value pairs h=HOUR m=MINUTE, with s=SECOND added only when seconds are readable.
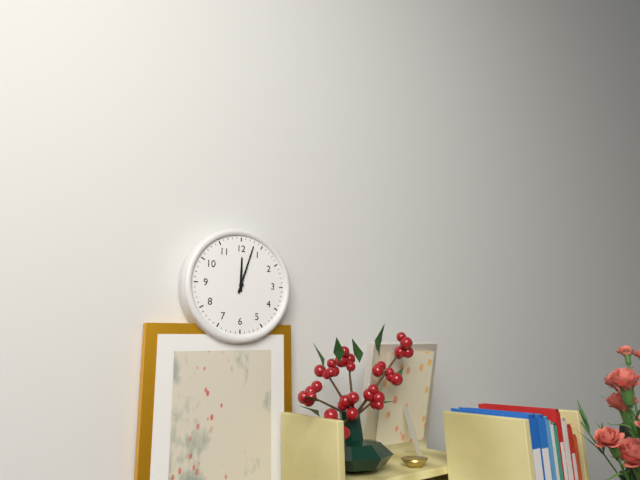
h=12 m=3
